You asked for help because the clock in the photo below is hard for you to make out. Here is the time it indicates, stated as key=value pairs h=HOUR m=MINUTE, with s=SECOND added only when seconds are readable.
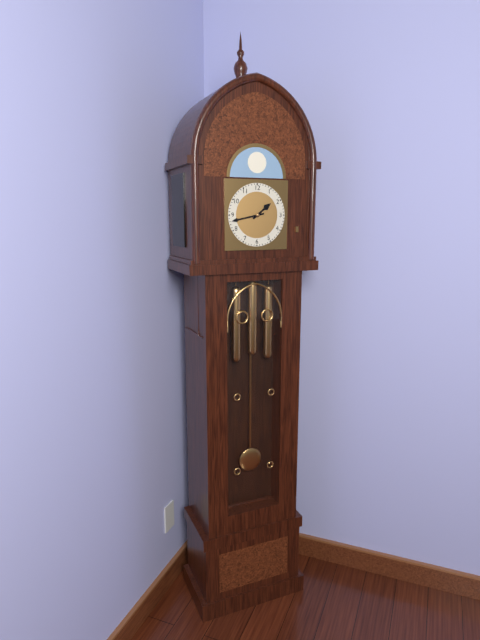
h=1 m=43
